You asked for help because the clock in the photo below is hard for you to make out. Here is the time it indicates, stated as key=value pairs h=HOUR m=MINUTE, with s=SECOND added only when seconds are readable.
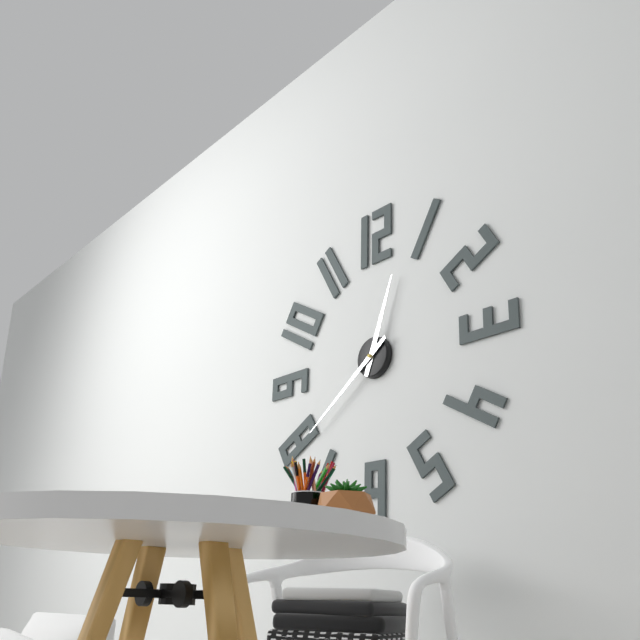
h=12 m=39
